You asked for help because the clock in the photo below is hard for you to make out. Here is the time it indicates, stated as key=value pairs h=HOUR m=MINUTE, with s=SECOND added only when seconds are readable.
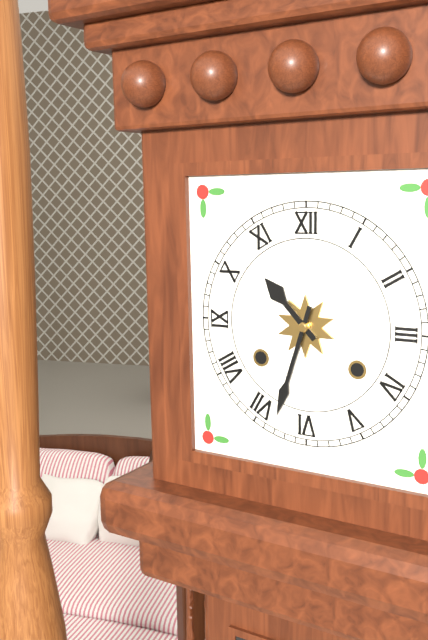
h=10 m=33
